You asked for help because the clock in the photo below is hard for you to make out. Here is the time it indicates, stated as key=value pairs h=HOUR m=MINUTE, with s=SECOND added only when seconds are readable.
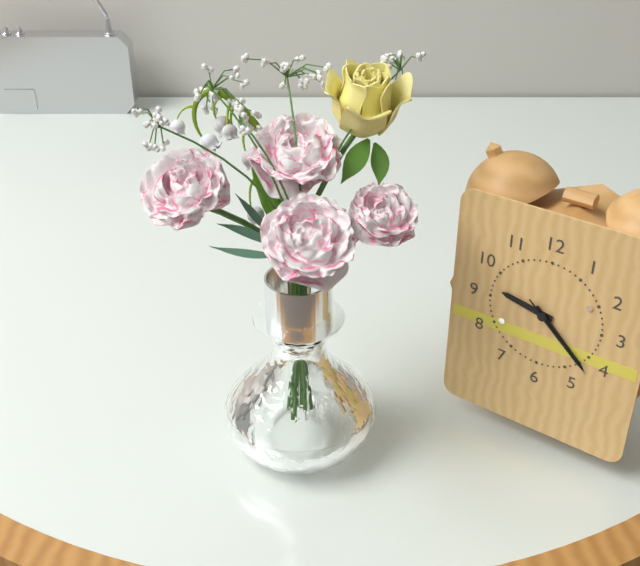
h=9 m=22 s=22
